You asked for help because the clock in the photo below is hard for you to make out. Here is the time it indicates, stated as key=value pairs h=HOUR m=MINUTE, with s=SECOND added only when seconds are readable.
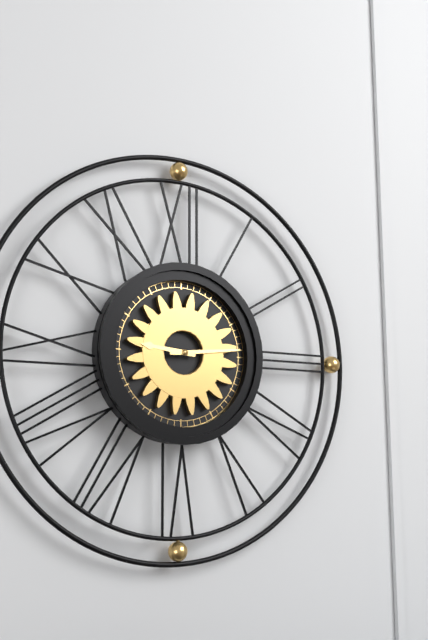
h=9 m=14
